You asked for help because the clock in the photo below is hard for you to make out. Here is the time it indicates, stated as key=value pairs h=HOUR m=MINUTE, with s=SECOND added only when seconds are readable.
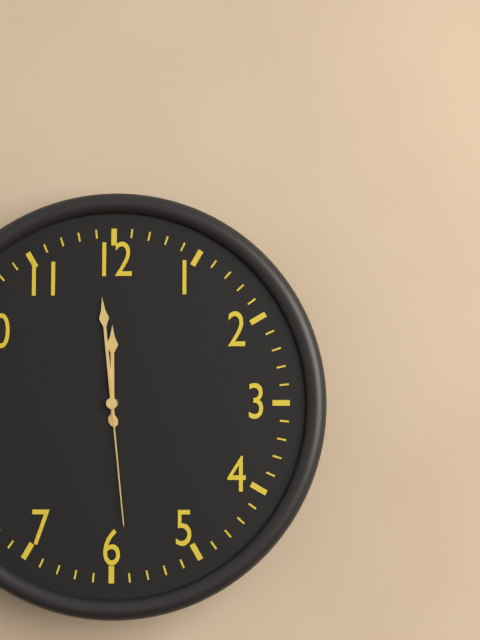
h=11 m=59 s=29
